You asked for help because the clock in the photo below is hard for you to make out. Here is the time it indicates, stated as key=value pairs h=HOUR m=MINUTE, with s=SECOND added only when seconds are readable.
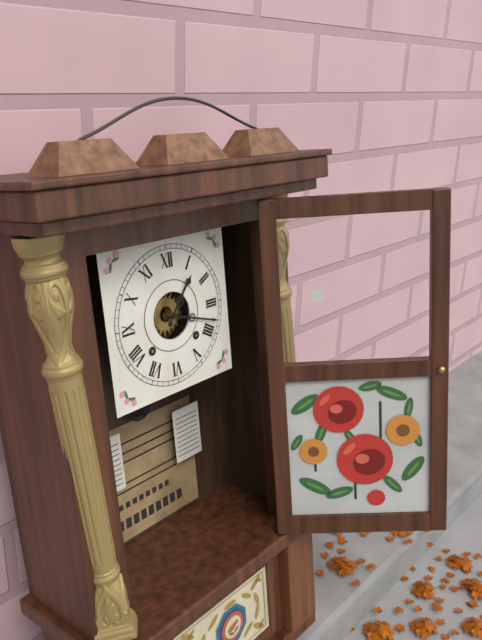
h=1 m=18
